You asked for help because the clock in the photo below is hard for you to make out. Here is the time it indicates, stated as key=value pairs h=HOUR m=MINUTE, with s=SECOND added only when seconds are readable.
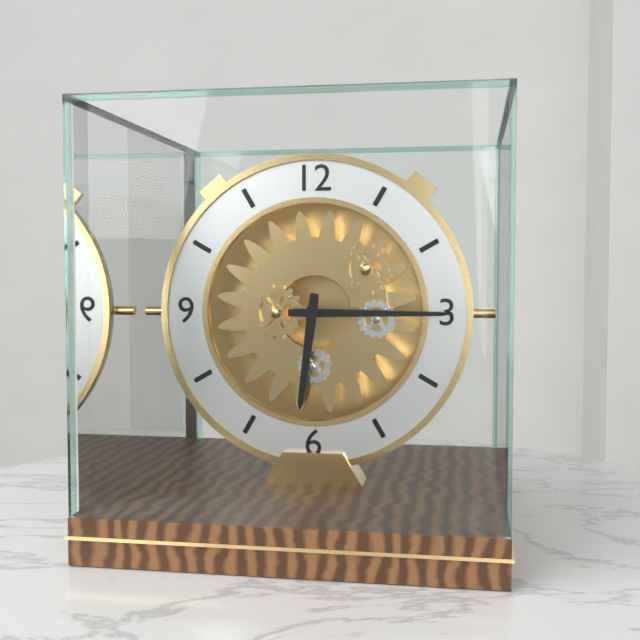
h=6 m=15
